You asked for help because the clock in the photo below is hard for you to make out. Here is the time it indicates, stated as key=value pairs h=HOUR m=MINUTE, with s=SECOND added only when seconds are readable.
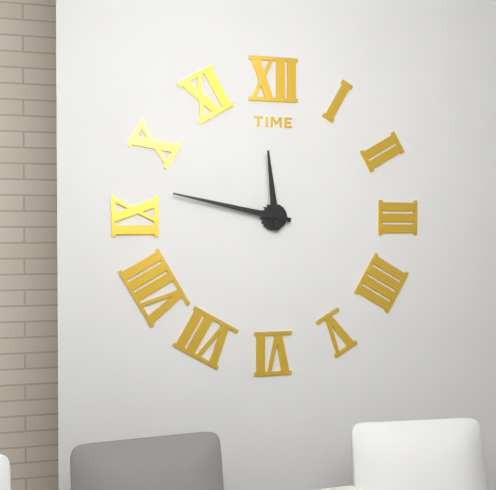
h=11 m=47
